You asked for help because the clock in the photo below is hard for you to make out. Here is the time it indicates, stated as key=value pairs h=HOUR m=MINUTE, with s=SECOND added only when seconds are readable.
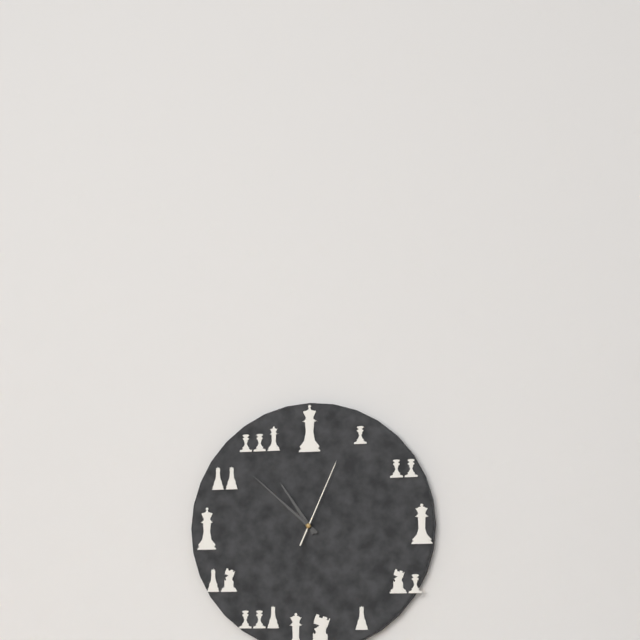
h=10 m=52 s=4
